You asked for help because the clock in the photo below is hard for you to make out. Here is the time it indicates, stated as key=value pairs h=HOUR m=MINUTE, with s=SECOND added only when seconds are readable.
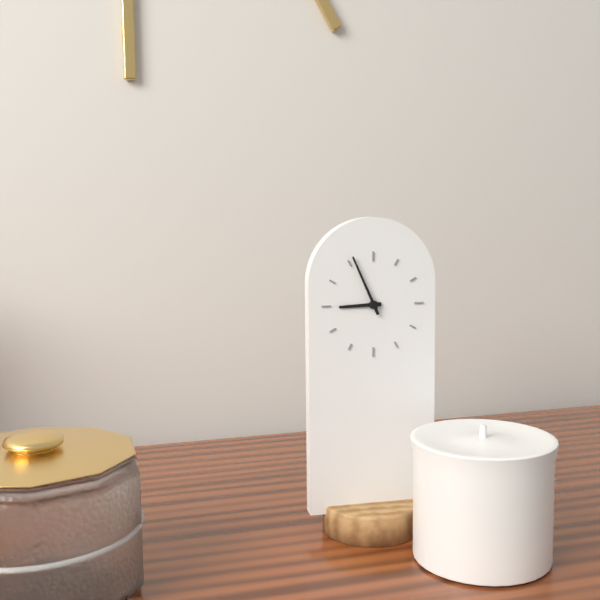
h=8 m=56
